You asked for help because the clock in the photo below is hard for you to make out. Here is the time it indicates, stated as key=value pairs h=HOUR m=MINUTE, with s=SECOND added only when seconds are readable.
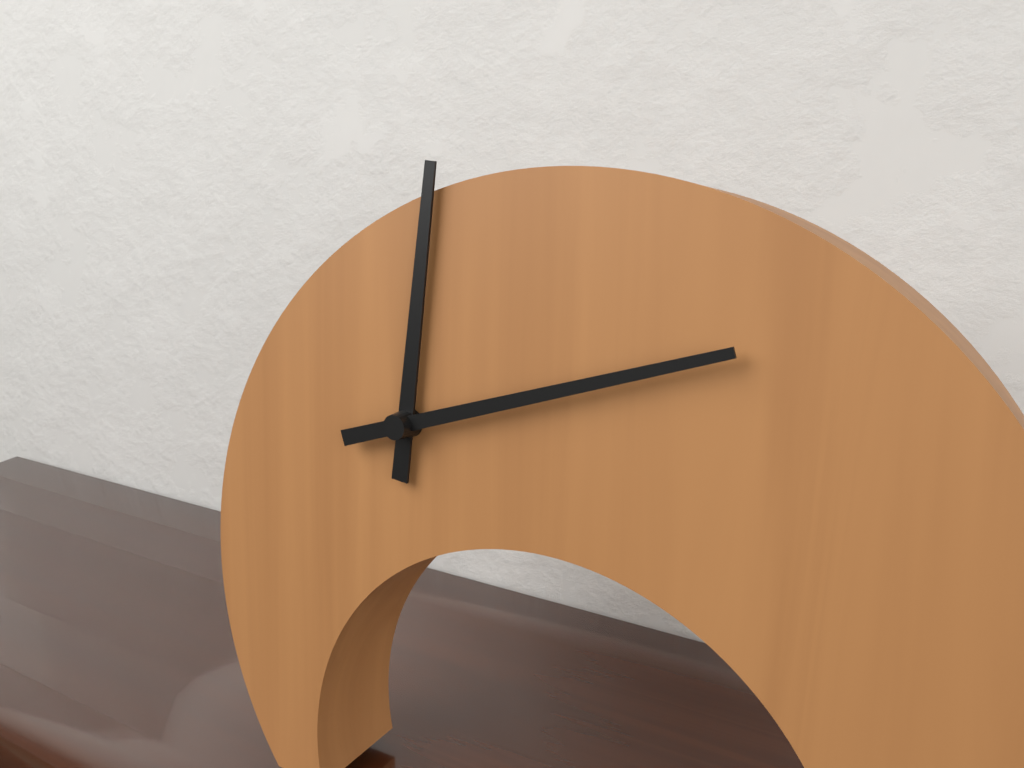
h=12 m=12
